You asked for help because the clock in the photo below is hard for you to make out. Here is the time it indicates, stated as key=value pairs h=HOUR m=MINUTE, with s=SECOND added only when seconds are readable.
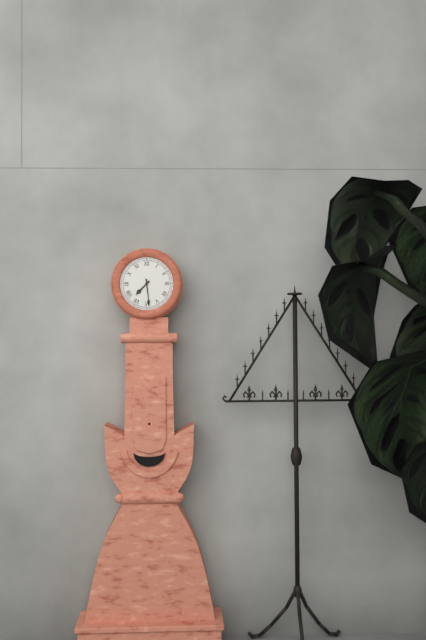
h=7 m=29
